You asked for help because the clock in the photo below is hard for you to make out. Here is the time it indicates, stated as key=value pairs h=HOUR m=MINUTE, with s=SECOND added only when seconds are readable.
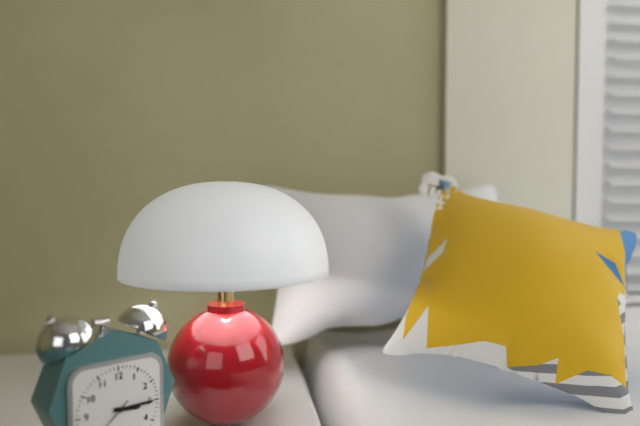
h=3 m=15
